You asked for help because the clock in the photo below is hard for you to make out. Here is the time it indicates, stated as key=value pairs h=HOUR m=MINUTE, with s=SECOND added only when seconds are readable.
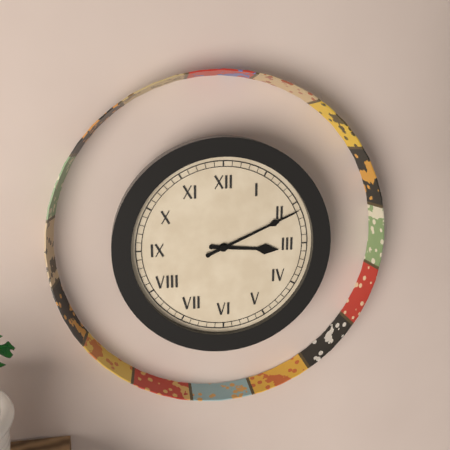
h=3 m=11
